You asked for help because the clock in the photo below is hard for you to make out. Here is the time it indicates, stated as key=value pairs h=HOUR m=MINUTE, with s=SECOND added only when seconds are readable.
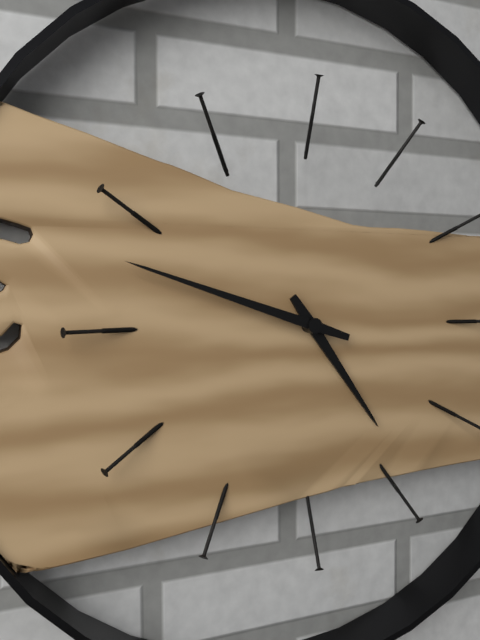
h=4 m=48
